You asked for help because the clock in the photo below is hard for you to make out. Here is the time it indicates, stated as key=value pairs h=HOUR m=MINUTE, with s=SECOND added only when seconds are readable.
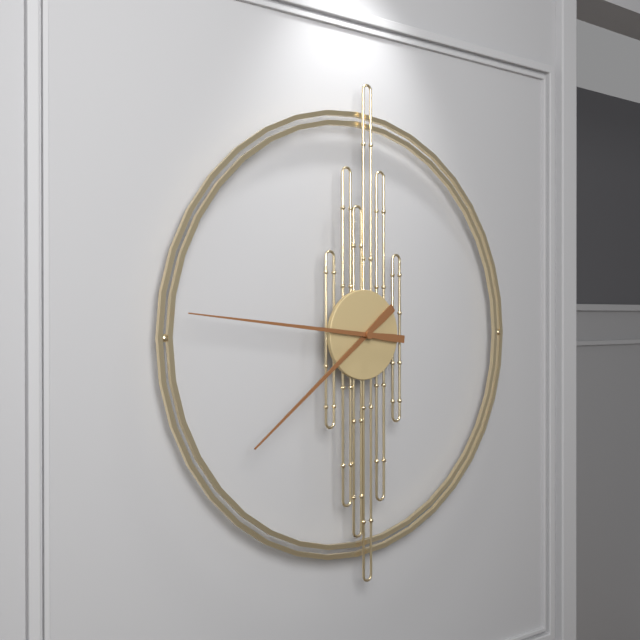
h=7 m=46
